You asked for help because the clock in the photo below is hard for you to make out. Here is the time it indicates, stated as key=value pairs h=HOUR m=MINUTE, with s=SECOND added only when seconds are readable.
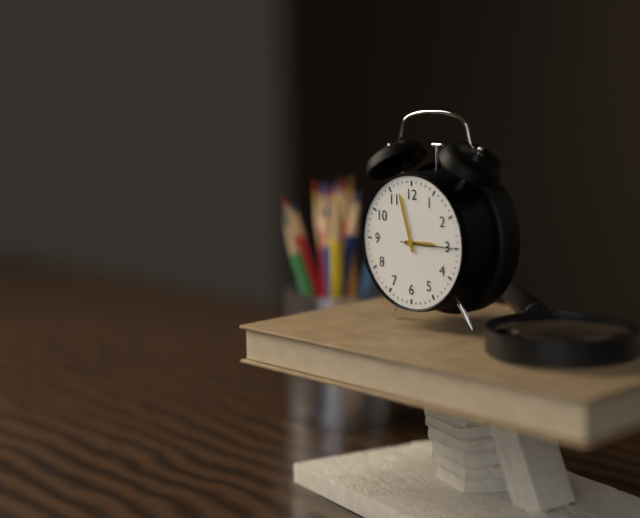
h=2 m=57 s=15
